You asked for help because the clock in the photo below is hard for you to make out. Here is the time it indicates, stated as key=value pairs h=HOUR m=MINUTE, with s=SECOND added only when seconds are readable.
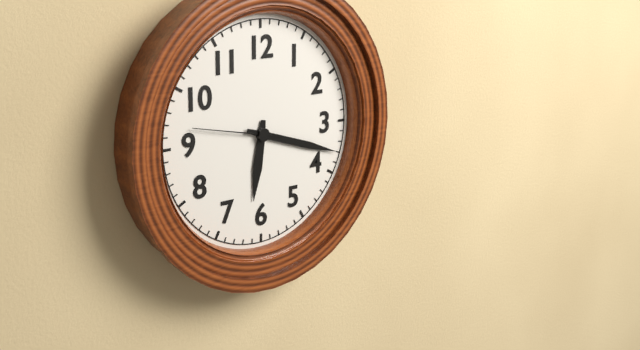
h=6 m=18 s=47
